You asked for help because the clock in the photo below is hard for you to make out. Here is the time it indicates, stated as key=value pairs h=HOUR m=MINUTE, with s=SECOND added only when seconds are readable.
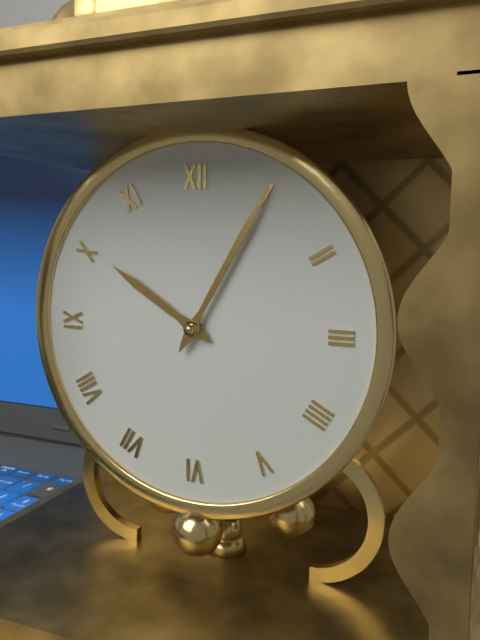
h=10 m=5
